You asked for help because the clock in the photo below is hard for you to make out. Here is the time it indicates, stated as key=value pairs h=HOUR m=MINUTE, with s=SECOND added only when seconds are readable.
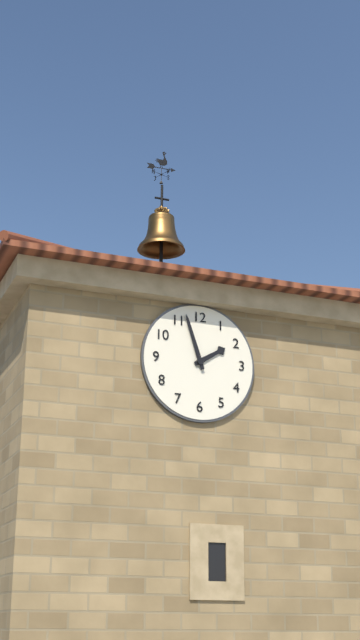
h=1 m=57
